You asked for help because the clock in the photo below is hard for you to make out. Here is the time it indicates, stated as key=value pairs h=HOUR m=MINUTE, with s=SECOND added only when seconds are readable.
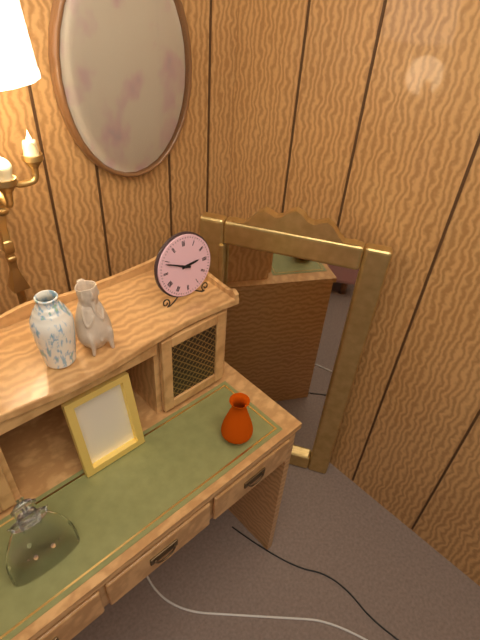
h=2 m=49
